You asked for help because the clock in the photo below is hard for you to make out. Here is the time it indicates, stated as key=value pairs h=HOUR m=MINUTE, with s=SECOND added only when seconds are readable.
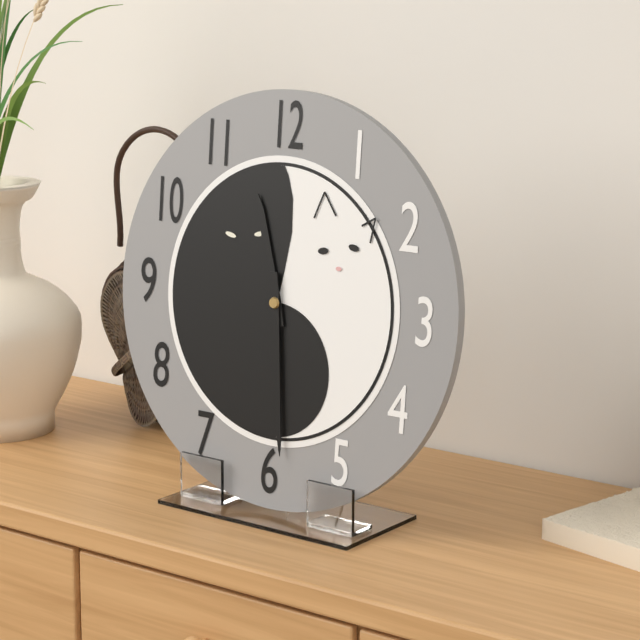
h=11 m=29
